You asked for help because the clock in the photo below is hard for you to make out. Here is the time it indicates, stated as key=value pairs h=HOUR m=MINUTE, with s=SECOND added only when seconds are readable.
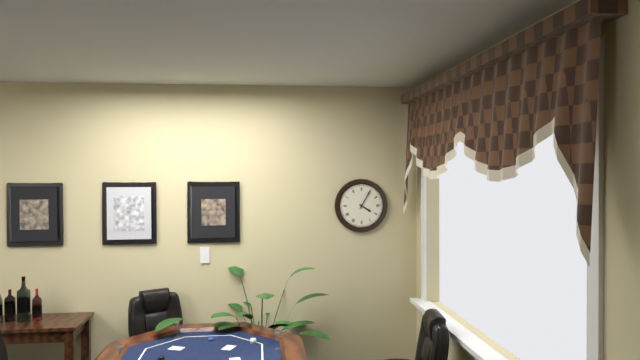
h=4 m=5
